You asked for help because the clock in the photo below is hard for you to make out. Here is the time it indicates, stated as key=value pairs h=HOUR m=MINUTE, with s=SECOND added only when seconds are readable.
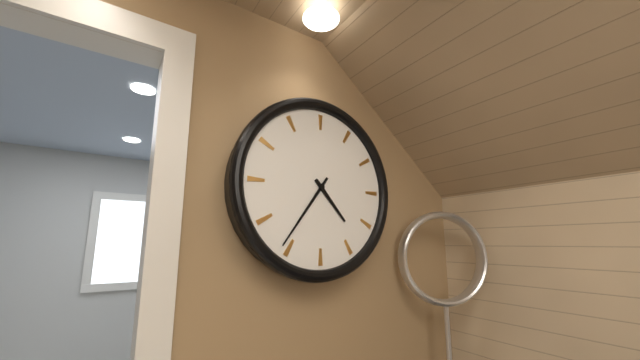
h=4 m=36
